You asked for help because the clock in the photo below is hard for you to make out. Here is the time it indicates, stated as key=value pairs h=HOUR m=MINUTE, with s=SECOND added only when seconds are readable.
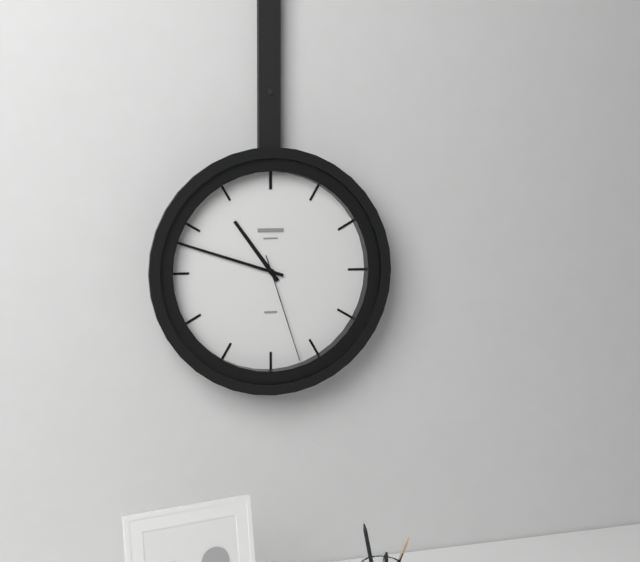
h=10 m=48 s=27
